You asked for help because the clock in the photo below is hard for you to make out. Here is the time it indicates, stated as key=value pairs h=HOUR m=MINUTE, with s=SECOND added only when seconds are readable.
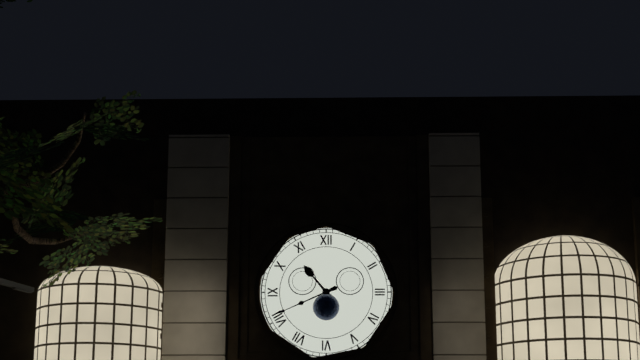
h=10 m=41
